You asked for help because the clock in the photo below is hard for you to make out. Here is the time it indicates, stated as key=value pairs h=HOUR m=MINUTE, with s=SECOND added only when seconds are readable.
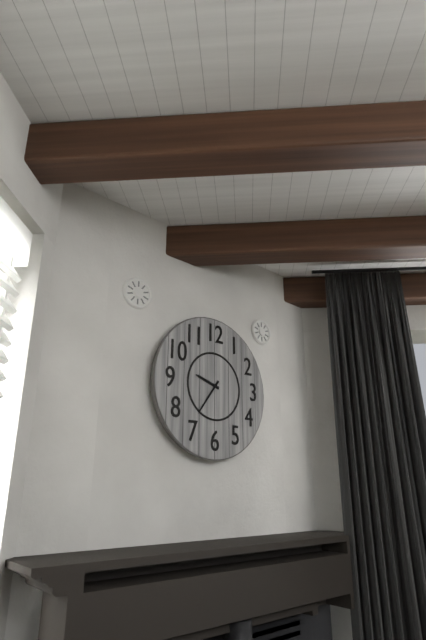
h=9 m=36
